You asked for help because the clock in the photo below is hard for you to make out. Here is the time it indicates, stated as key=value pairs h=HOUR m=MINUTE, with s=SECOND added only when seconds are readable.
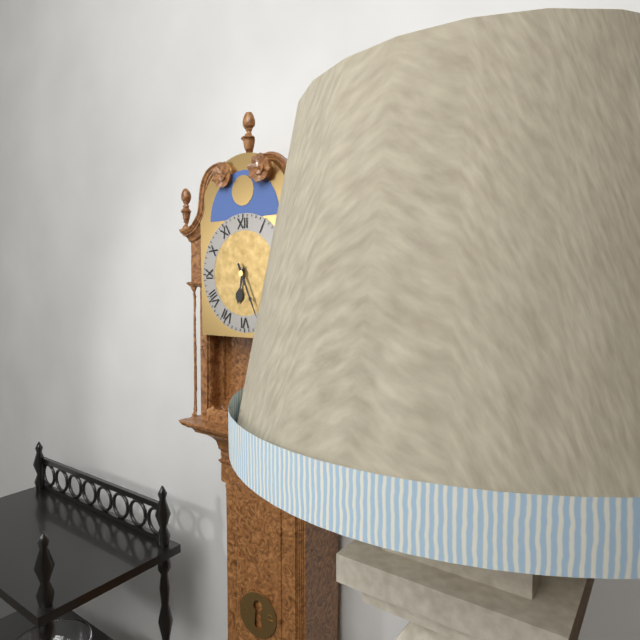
h=6 m=26
